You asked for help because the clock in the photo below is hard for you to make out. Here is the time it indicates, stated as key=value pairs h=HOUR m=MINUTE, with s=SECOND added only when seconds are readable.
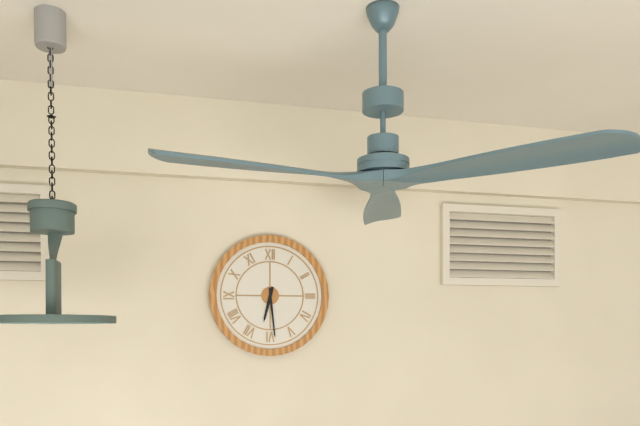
h=6 m=29
